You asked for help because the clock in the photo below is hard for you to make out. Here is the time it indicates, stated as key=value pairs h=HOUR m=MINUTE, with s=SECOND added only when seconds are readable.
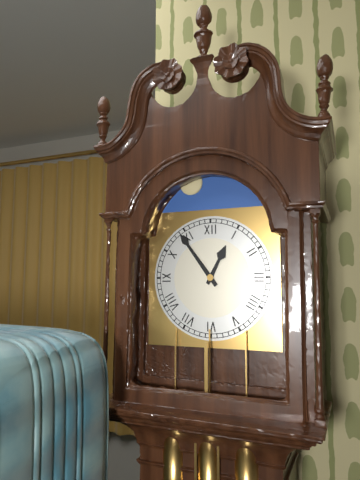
h=12 m=54
